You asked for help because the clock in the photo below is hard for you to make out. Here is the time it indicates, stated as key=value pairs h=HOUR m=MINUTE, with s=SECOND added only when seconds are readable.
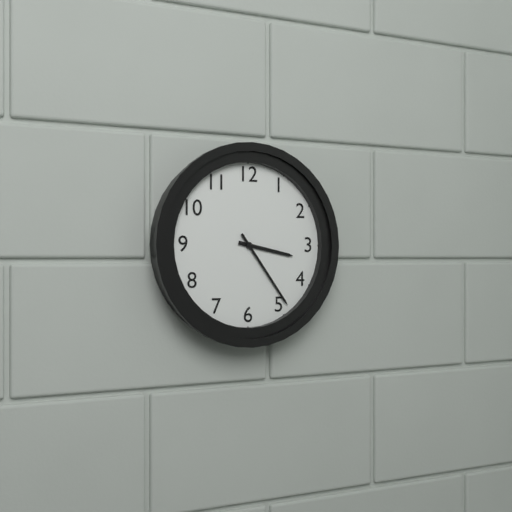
h=3 m=24
